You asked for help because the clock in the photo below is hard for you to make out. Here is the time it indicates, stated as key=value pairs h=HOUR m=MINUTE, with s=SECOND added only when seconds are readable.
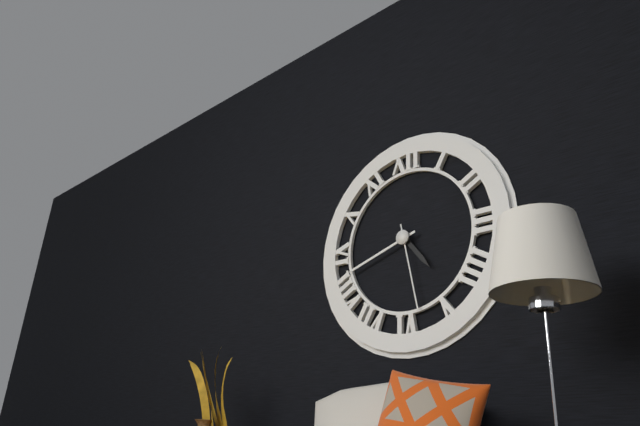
h=4 m=42 s=28
